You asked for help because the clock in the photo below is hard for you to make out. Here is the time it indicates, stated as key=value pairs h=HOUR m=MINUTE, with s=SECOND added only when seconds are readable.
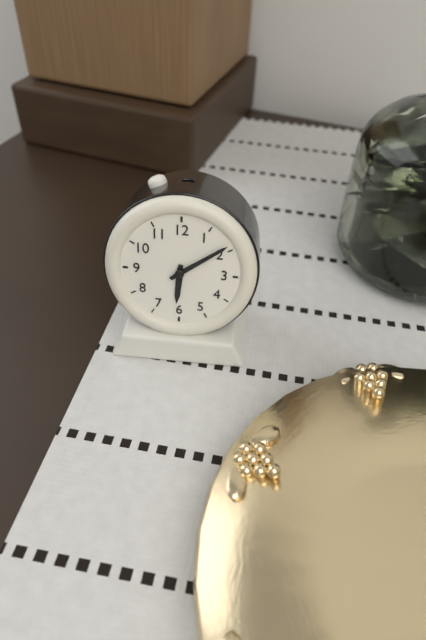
h=6 m=9
